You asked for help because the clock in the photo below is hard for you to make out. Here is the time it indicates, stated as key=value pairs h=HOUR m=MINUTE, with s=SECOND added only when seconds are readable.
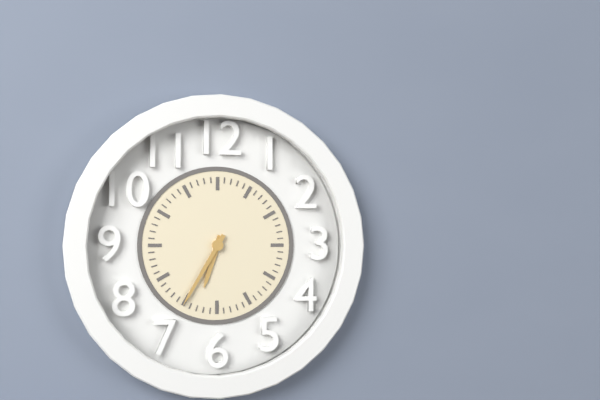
h=6 m=35
